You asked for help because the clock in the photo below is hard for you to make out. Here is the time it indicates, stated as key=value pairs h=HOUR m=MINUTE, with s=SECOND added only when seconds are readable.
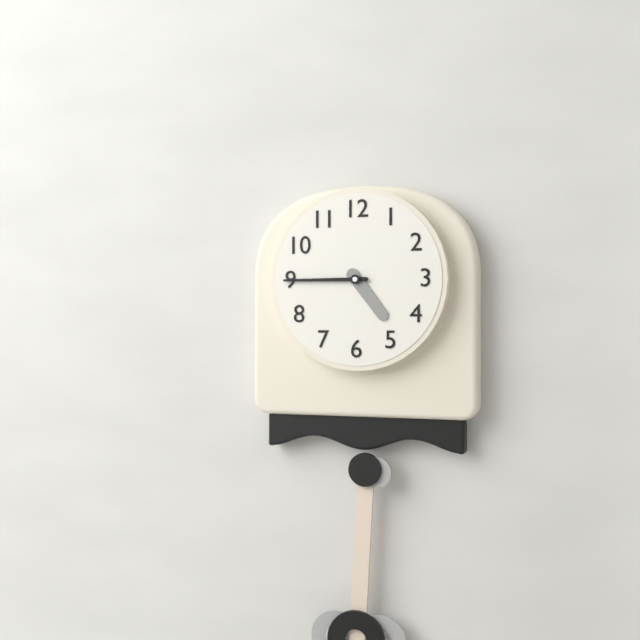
h=4 m=45
